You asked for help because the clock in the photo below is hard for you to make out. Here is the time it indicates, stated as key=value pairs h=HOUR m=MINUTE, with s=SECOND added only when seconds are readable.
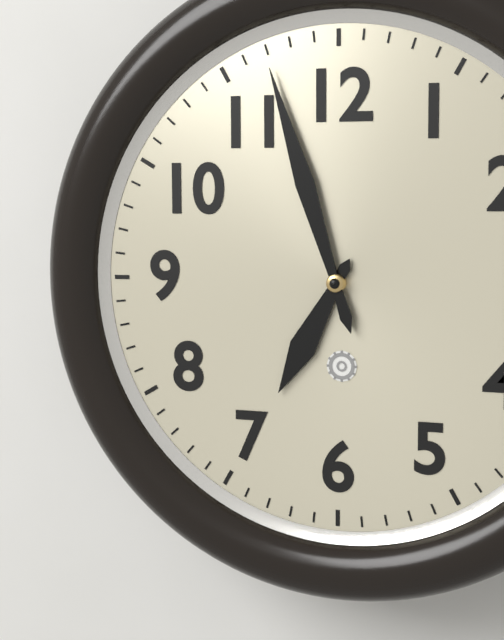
h=6 m=57
